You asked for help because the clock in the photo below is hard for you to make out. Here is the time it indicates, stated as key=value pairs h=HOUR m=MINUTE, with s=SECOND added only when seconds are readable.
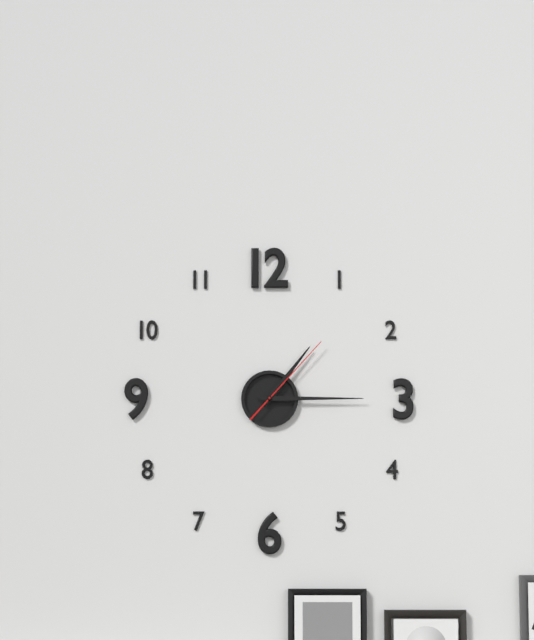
h=1 m=15 s=7
